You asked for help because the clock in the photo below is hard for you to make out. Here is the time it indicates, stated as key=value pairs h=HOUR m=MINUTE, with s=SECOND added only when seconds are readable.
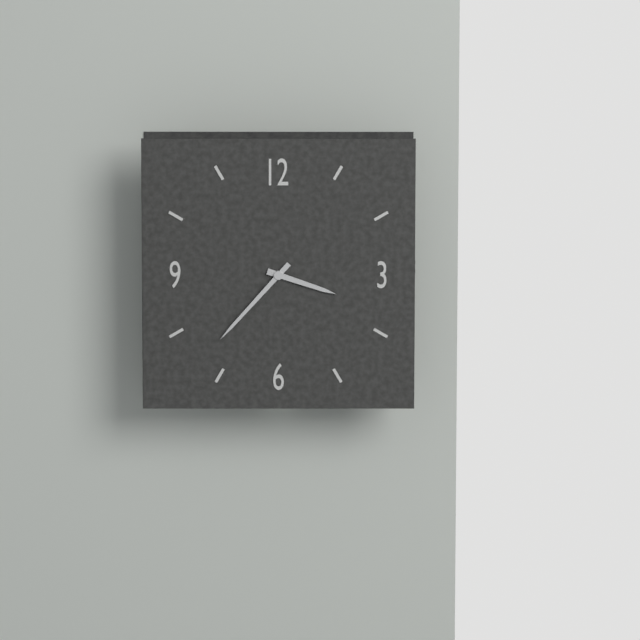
h=3 m=37
